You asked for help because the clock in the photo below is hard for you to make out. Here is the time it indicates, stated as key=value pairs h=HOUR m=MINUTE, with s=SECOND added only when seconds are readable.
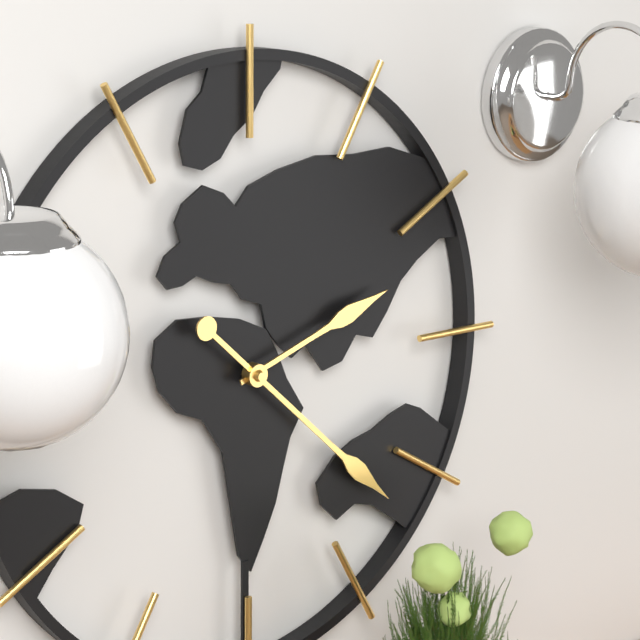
h=2 m=22
